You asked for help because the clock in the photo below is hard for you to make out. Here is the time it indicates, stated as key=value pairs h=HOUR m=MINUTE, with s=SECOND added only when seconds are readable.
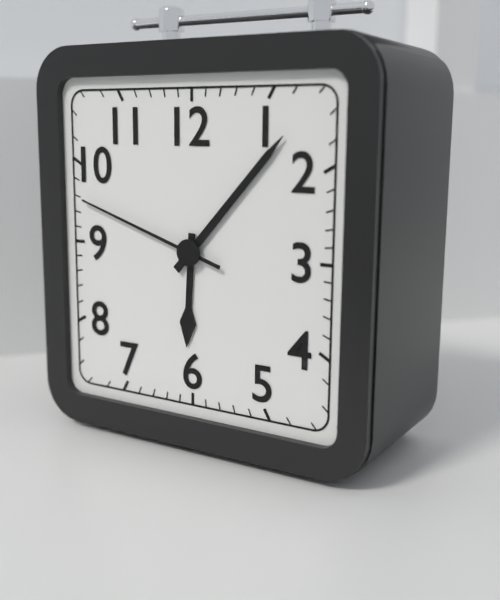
h=6 m=7 s=48
